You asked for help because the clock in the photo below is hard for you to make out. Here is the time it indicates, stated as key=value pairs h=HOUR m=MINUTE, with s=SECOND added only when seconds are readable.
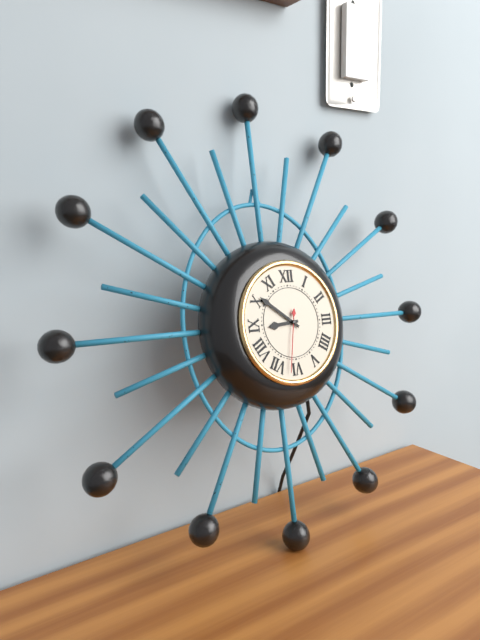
h=8 m=51 s=32
